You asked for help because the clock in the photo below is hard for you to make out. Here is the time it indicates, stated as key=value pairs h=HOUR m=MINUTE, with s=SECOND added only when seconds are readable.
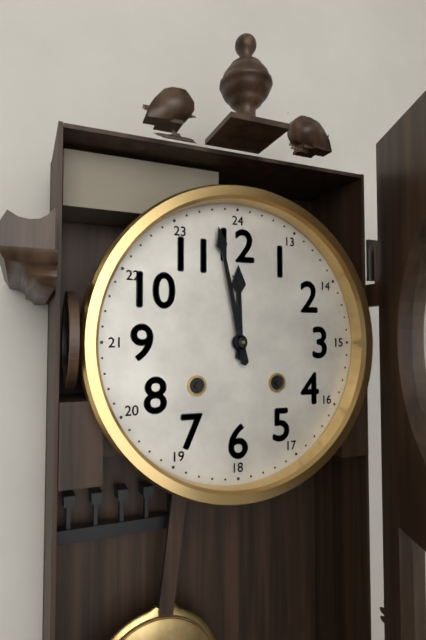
h=11 m=58
